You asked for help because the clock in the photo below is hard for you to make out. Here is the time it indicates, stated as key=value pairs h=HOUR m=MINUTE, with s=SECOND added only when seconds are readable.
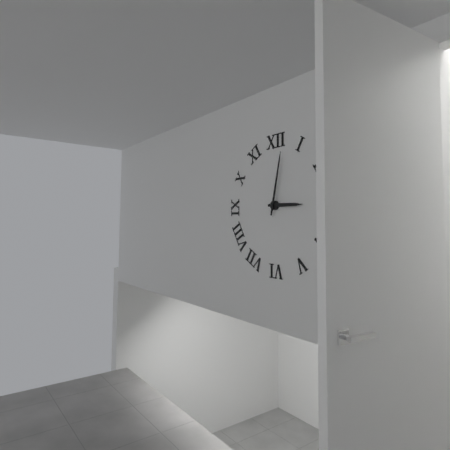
h=3 m=2
